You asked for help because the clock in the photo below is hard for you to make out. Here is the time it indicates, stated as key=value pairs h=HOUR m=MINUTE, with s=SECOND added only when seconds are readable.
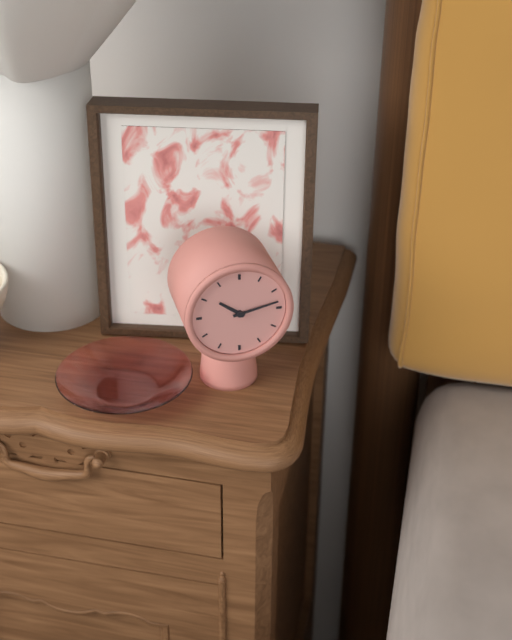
h=10 m=13
